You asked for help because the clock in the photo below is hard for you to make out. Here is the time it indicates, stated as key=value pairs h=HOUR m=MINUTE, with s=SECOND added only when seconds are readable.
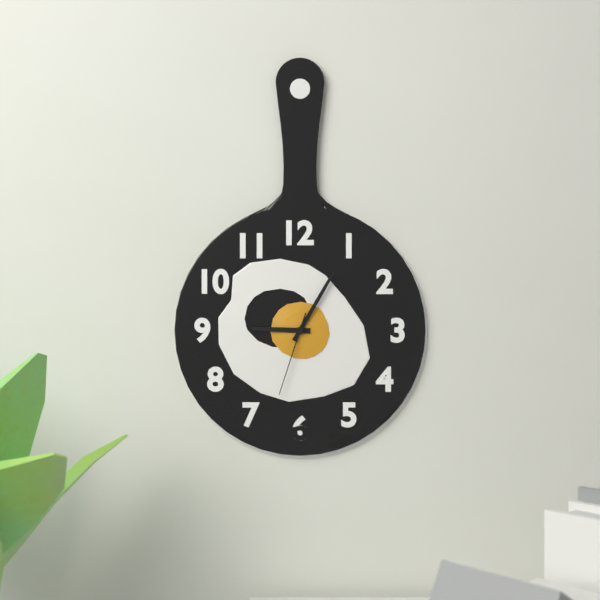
h=9 m=5 s=33
